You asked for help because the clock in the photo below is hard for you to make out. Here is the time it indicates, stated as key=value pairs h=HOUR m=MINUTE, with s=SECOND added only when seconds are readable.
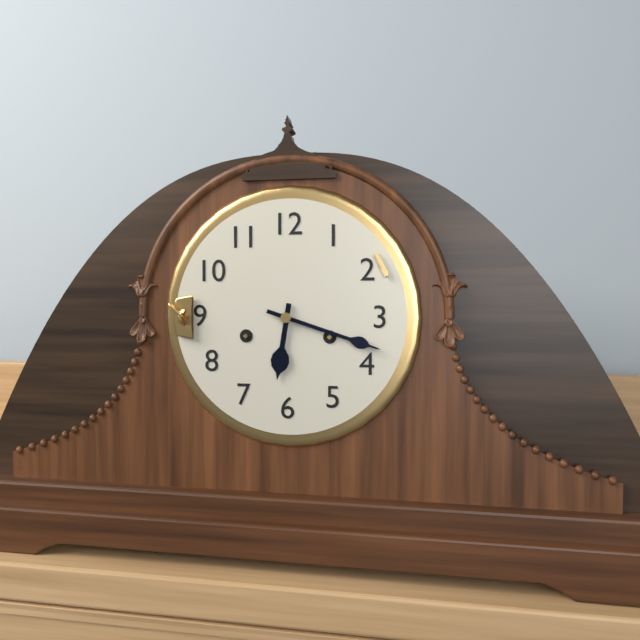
h=6 m=18
